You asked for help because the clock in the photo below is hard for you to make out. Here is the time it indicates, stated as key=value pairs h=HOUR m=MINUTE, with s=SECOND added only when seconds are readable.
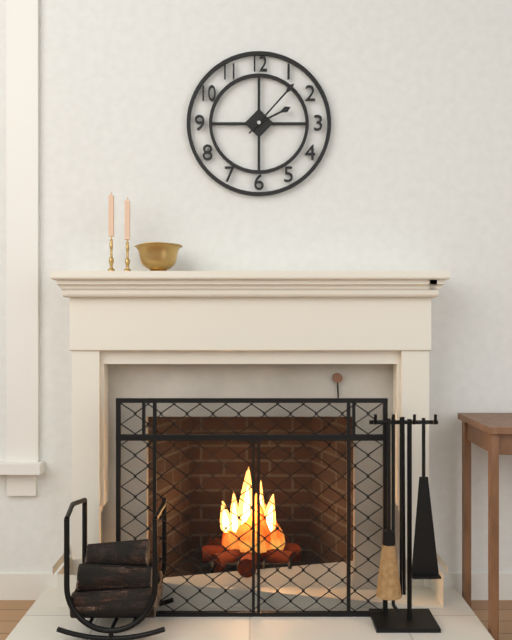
h=2 m=7
